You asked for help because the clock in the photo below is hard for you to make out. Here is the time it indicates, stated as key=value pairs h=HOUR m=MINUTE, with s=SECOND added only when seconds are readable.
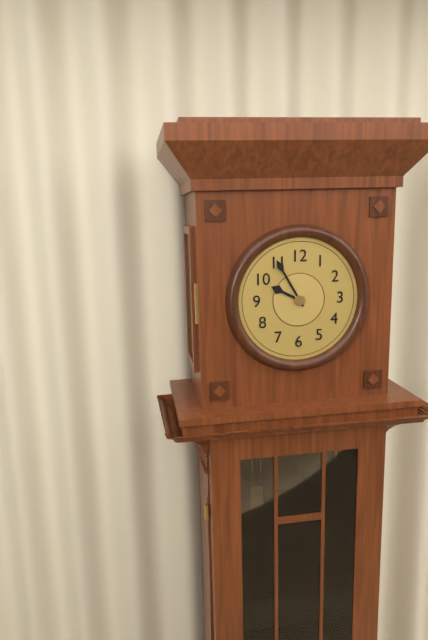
h=9 m=55
